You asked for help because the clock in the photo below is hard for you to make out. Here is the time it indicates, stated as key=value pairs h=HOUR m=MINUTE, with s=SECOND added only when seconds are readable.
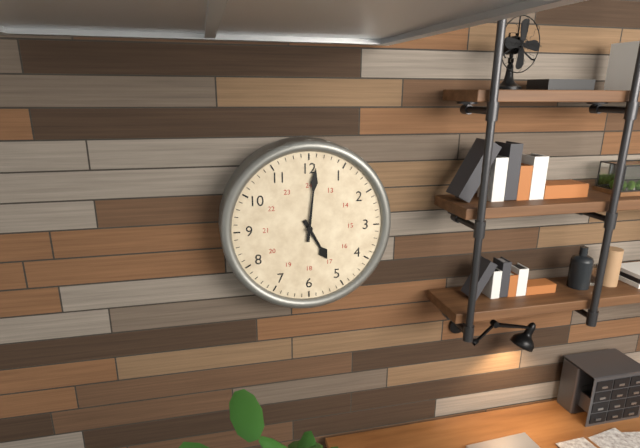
h=5 m=1
